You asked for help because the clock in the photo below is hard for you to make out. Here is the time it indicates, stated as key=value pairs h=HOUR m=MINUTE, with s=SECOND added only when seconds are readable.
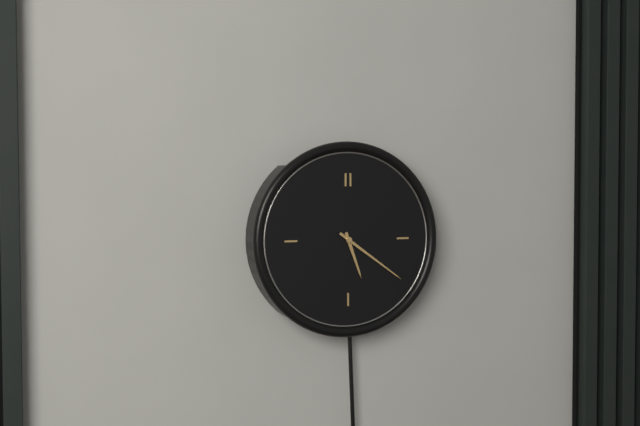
h=5 m=21
